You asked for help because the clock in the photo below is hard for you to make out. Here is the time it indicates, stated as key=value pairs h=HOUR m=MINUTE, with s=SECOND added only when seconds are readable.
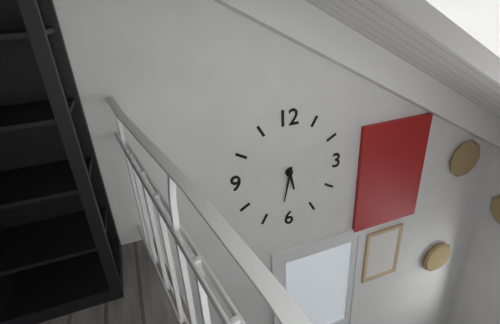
h=5 m=32
